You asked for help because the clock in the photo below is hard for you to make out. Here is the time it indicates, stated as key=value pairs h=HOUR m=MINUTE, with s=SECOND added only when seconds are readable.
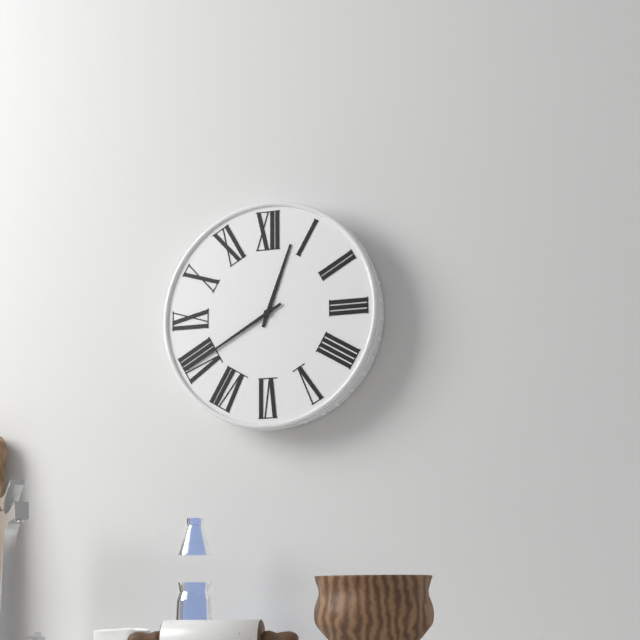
h=12 m=40
